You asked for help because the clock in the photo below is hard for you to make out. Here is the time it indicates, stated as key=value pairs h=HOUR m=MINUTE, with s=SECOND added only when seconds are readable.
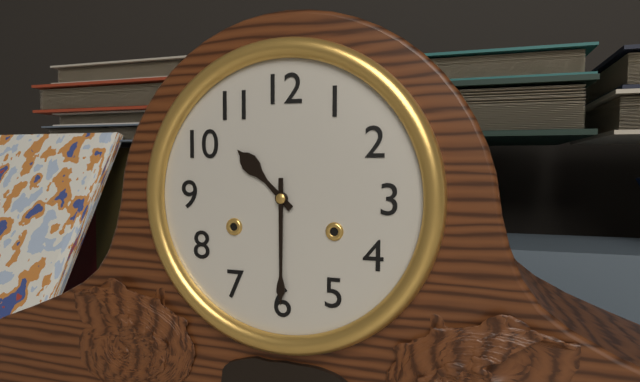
h=10 m=30
